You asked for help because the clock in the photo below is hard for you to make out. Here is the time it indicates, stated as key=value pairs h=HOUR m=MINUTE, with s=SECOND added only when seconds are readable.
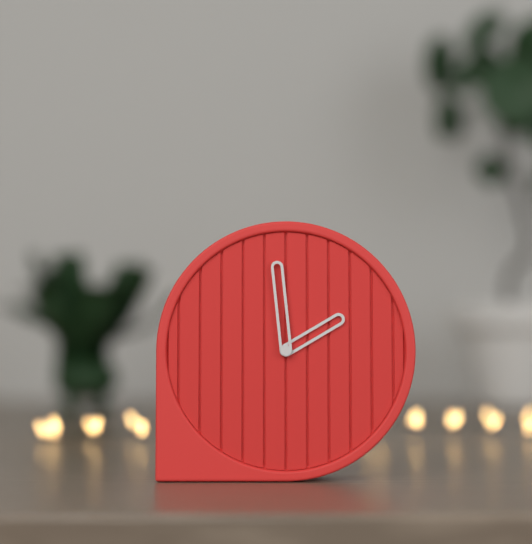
h=1 m=59
